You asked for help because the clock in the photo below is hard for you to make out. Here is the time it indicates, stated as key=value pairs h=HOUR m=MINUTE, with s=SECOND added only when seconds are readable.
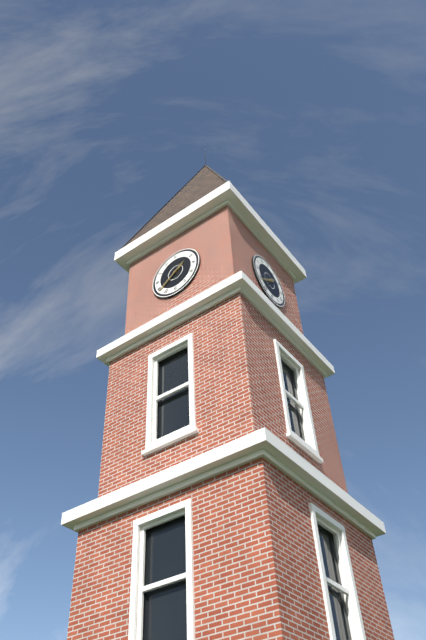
h=1 m=39
